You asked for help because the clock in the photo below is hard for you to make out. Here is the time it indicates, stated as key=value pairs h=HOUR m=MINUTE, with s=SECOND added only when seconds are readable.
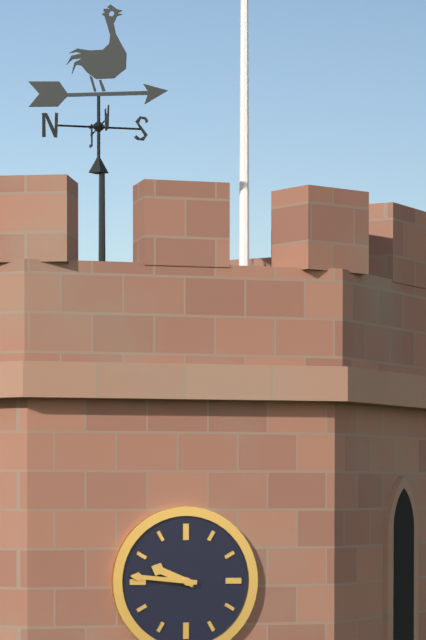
h=9 m=46
